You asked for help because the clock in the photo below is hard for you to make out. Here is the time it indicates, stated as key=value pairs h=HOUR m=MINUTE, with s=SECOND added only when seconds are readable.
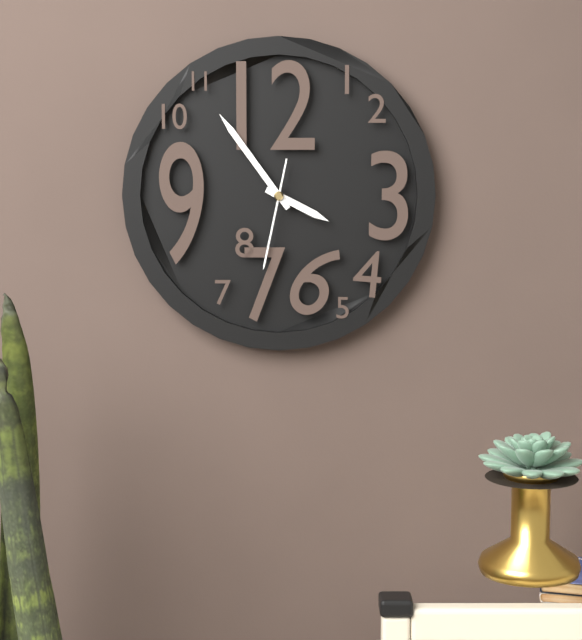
h=3 m=54 s=32
